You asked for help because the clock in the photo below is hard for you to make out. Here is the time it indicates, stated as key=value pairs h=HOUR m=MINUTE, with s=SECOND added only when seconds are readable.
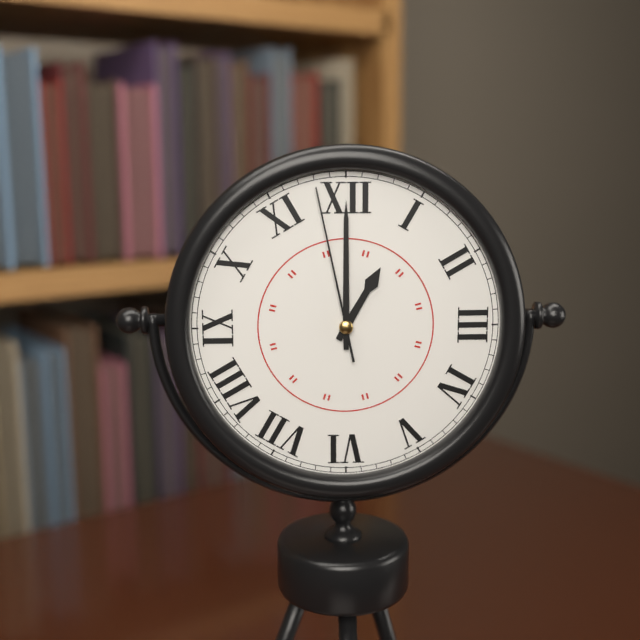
h=1 m=0 s=58
